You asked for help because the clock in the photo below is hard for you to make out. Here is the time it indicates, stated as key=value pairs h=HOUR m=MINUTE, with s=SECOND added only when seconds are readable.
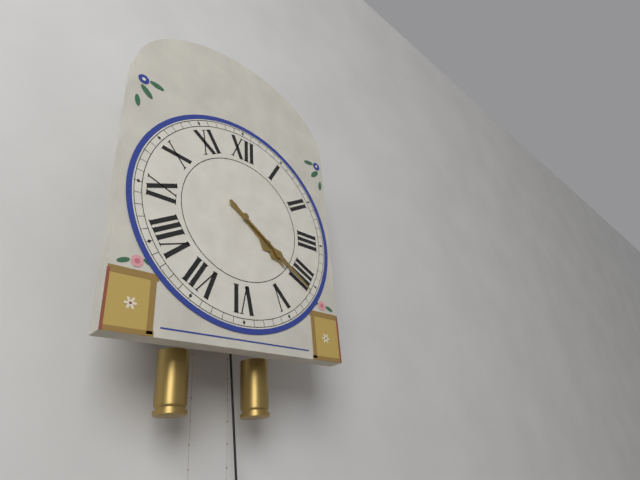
h=4 m=21
